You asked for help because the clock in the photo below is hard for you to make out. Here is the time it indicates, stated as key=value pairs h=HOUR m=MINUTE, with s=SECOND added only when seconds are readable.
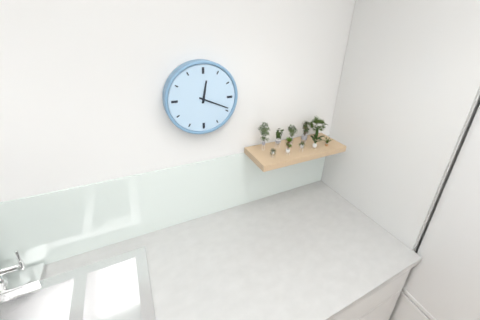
h=12 m=19
